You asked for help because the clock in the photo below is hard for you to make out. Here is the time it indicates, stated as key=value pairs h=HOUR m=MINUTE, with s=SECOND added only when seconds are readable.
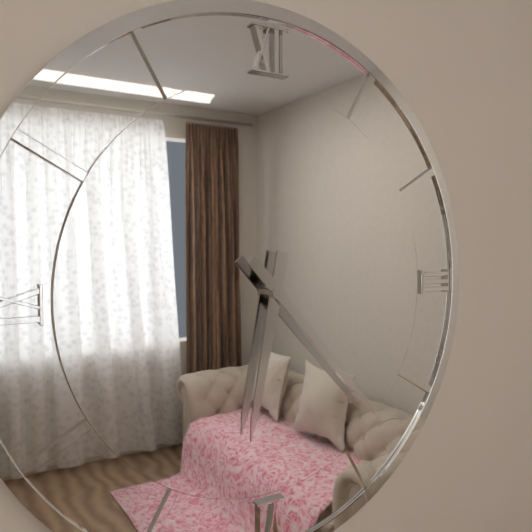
h=6 m=23
